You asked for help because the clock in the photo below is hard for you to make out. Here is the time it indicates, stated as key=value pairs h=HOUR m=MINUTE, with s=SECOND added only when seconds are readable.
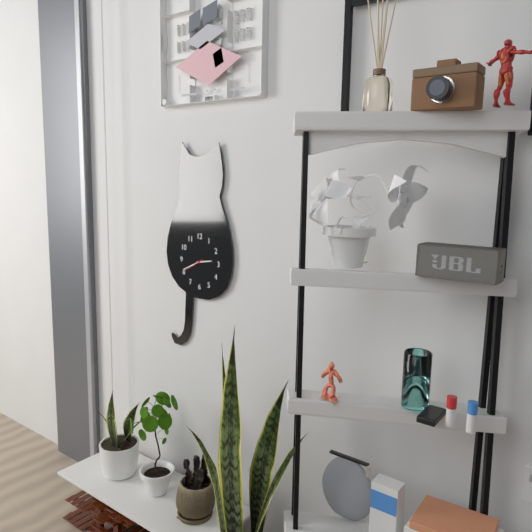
h=2 m=41
